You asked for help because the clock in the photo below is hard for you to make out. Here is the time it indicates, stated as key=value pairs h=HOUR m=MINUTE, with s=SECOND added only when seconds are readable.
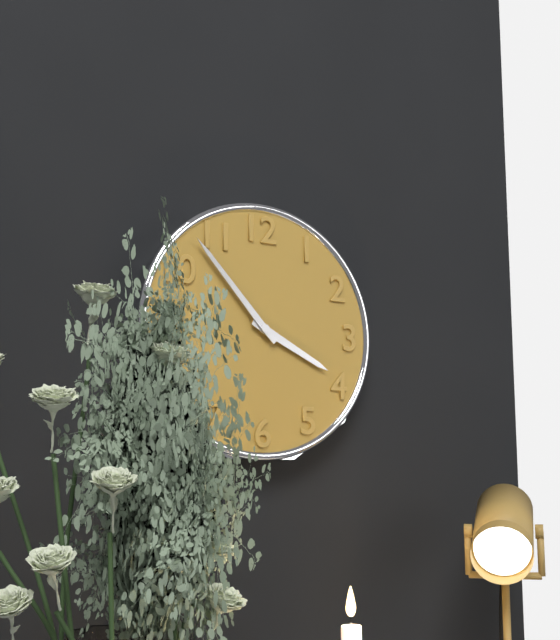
h=3 m=53
